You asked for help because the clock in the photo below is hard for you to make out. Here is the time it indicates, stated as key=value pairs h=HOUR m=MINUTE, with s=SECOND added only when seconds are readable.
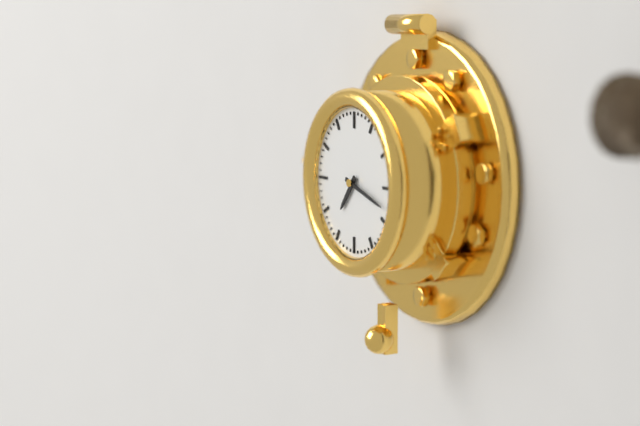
h=7 m=18
